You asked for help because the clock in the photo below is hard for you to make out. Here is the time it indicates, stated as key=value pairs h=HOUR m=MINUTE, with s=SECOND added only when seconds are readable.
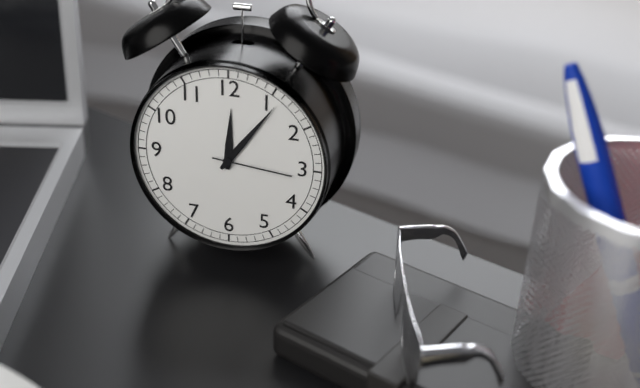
h=12 m=6 s=16
